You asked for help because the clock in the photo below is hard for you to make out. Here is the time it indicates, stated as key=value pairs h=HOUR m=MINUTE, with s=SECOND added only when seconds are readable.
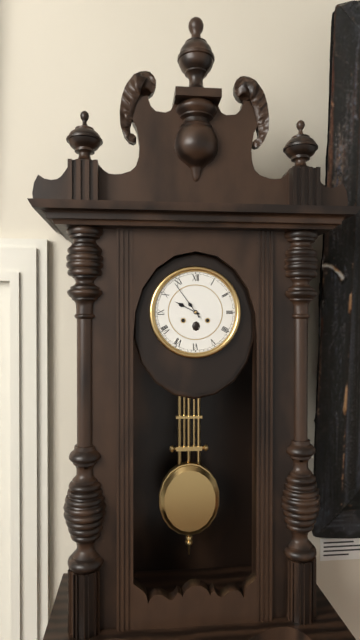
h=9 m=54
